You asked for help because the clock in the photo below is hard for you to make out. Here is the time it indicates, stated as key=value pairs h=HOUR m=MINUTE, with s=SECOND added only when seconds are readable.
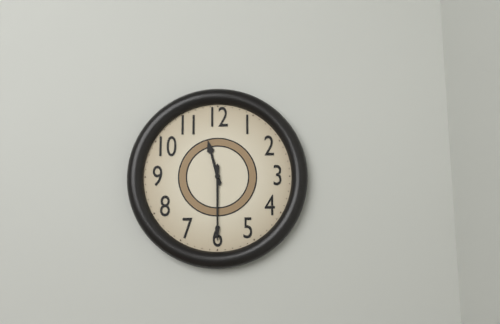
h=11 m=30
